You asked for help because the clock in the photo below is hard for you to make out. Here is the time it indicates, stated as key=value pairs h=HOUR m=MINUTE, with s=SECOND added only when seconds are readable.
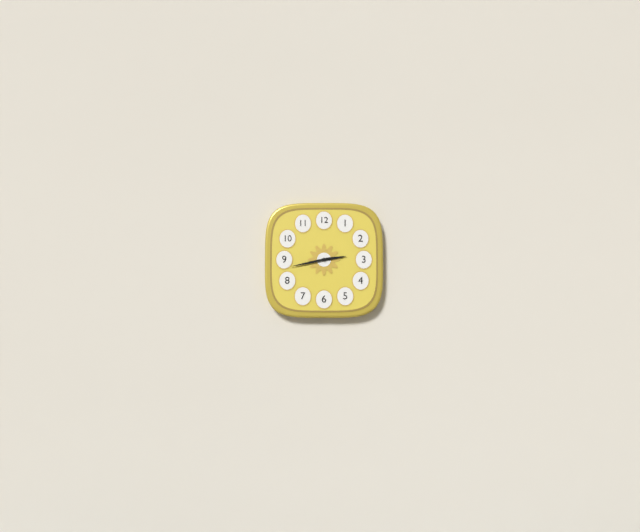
h=2 m=43
